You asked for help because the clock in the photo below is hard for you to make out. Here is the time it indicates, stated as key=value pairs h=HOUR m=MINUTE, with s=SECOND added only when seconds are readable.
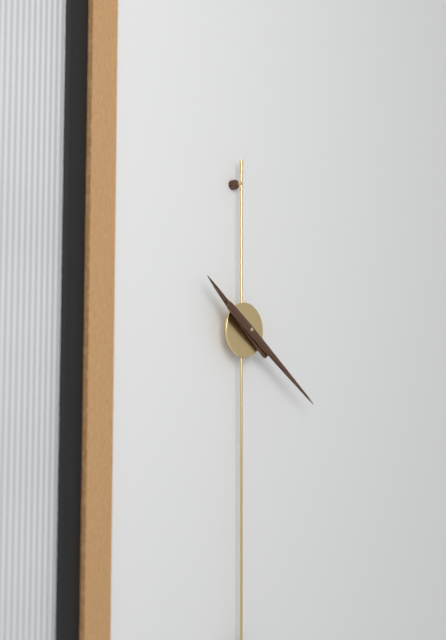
h=10 m=21
